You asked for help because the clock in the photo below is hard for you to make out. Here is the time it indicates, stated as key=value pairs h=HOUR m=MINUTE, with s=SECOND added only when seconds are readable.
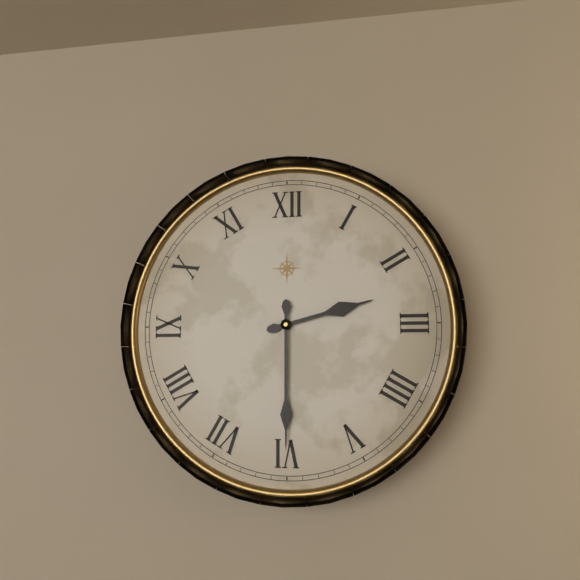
h=2 m=30
